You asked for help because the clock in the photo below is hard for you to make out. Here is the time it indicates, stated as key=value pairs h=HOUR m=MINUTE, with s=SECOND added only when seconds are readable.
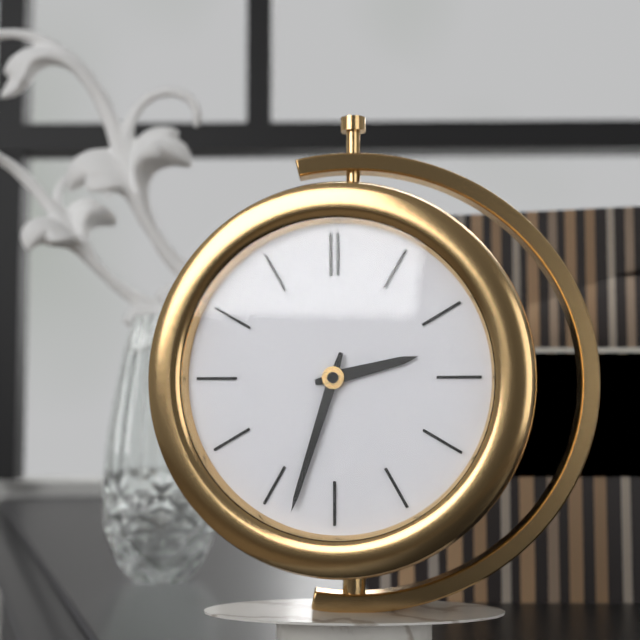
h=2 m=33
